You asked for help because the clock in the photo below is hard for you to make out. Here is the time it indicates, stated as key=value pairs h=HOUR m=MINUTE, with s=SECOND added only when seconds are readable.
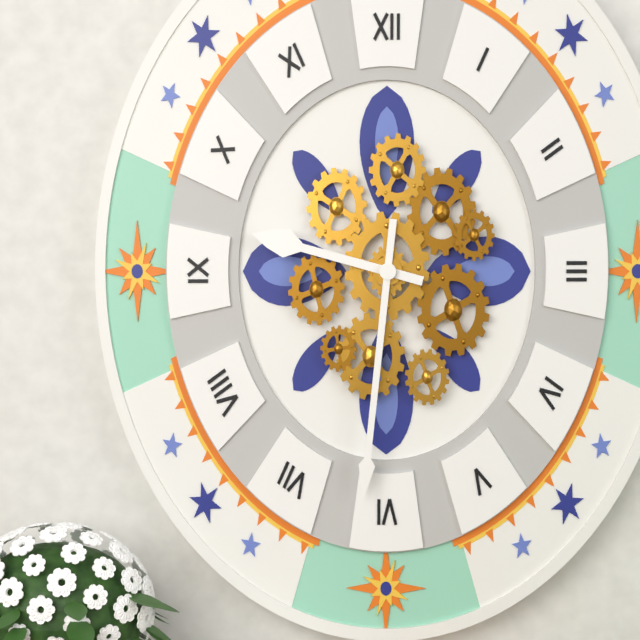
h=9 m=31
